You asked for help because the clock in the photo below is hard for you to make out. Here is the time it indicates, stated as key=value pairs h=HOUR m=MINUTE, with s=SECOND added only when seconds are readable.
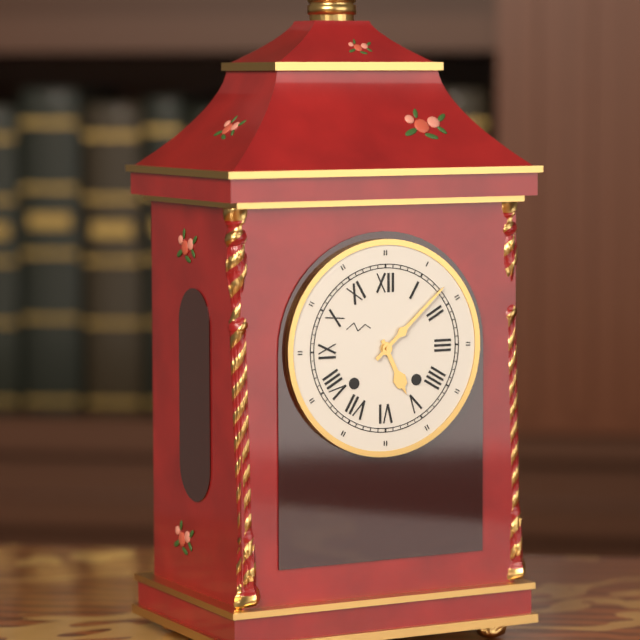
h=5 m=8
